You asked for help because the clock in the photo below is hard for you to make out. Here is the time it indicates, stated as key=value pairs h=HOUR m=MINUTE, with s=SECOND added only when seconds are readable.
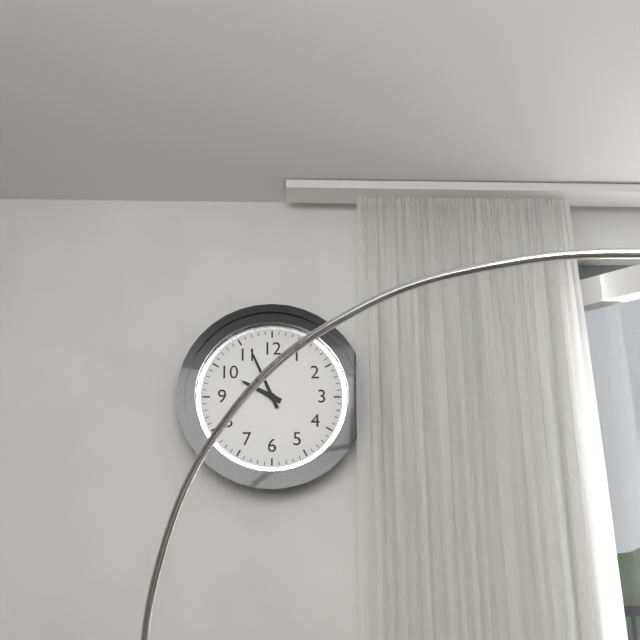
h=9 m=56
